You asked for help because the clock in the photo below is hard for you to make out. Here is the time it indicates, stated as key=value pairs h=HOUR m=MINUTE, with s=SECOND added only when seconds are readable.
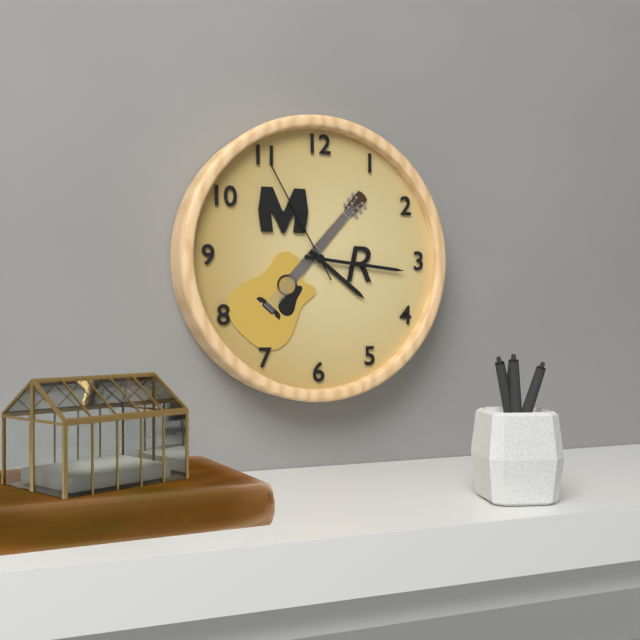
h=4 m=16 s=55
